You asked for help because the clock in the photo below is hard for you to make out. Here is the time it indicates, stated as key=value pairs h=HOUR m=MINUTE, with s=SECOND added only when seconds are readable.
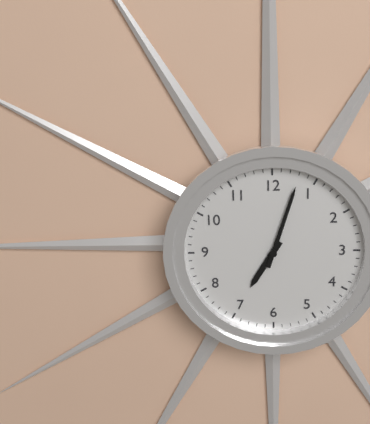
h=7 m=3
